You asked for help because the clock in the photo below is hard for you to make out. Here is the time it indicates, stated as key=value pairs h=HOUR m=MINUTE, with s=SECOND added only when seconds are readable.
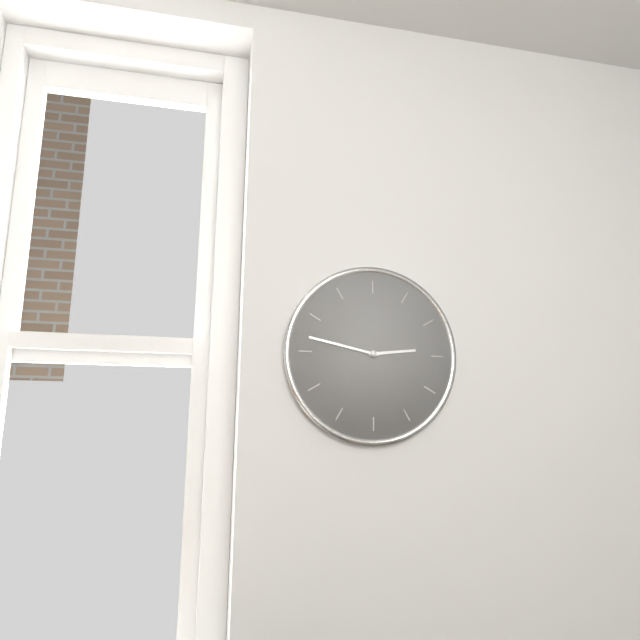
h=2 m=47
